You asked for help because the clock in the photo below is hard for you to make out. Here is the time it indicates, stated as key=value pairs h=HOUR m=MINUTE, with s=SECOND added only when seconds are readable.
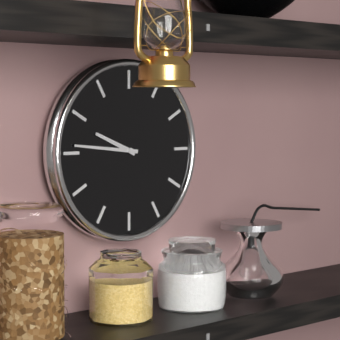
h=9 m=46
